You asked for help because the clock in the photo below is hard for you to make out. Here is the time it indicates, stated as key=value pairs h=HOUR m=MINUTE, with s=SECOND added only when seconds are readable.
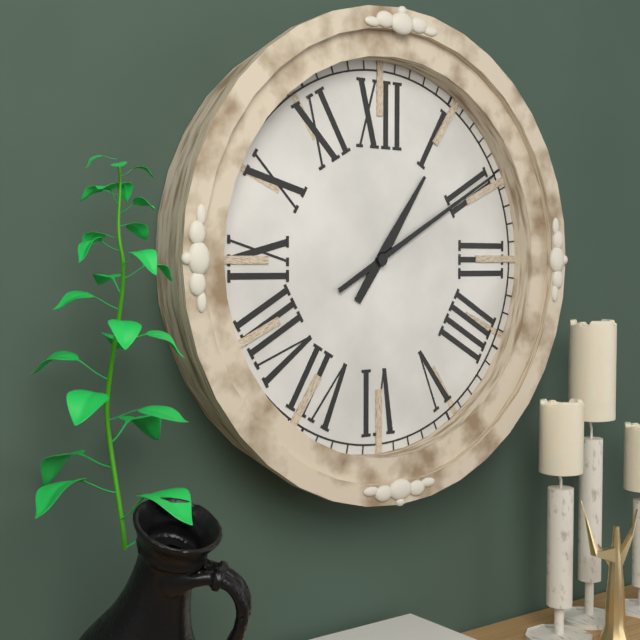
h=1 m=10
